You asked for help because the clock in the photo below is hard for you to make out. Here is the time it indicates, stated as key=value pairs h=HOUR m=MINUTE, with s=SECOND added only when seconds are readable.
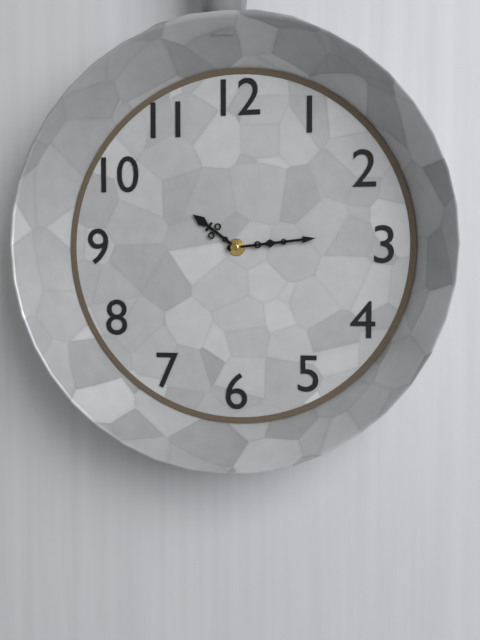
h=10 m=14
